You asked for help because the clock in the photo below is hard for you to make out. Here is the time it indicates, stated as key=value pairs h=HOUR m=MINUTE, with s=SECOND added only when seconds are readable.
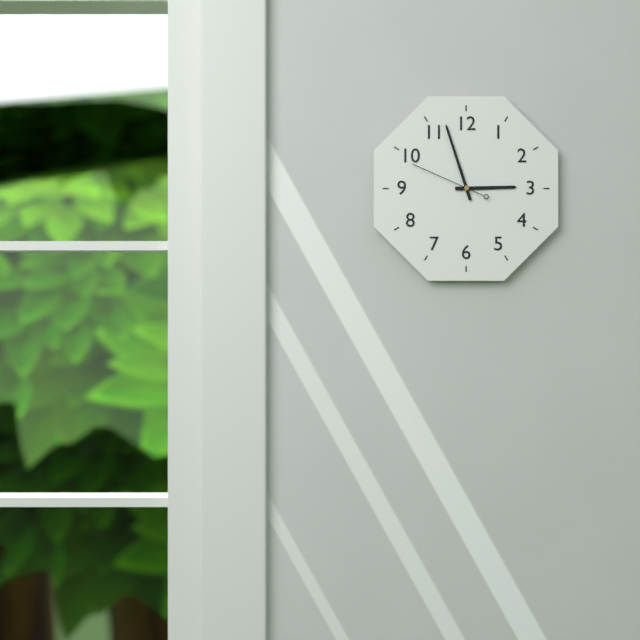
h=2 m=57 s=49
